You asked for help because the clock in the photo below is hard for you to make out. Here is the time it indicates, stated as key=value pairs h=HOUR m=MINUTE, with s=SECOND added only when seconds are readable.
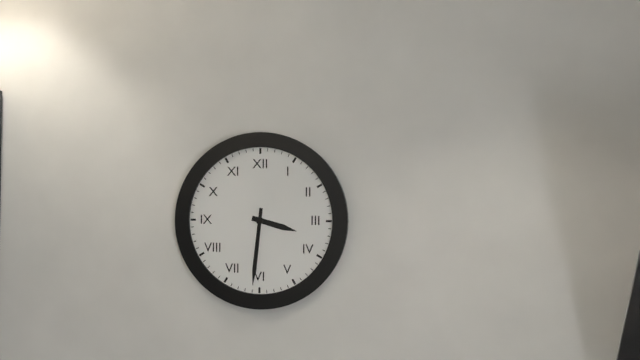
h=3 m=31
